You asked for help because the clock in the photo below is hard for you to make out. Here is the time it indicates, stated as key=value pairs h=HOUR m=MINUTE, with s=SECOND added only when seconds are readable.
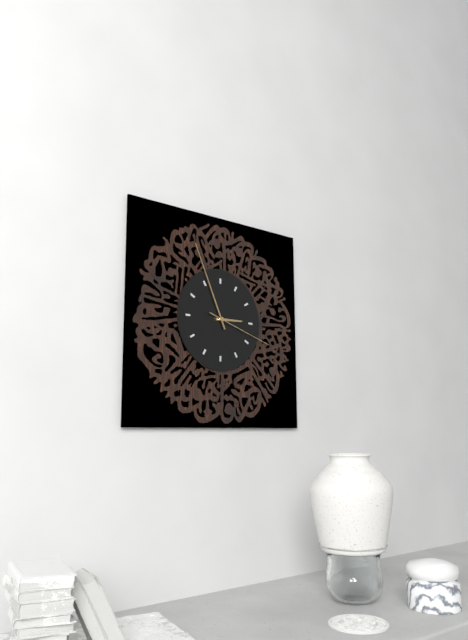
h=2 m=56 s=18
